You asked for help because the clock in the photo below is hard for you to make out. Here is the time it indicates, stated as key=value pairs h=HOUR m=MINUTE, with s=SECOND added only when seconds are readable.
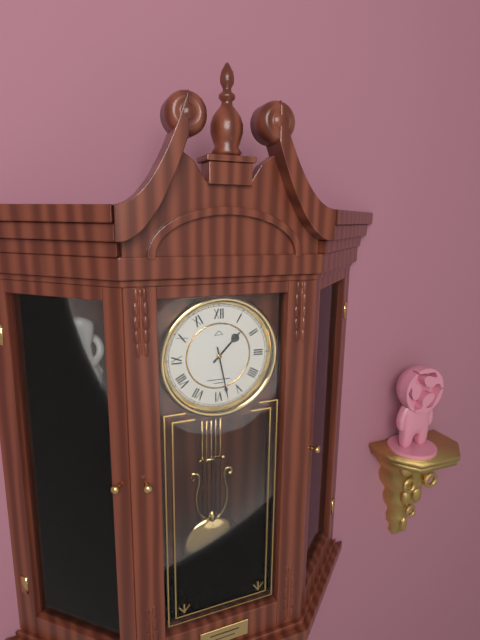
h=1 m=28
